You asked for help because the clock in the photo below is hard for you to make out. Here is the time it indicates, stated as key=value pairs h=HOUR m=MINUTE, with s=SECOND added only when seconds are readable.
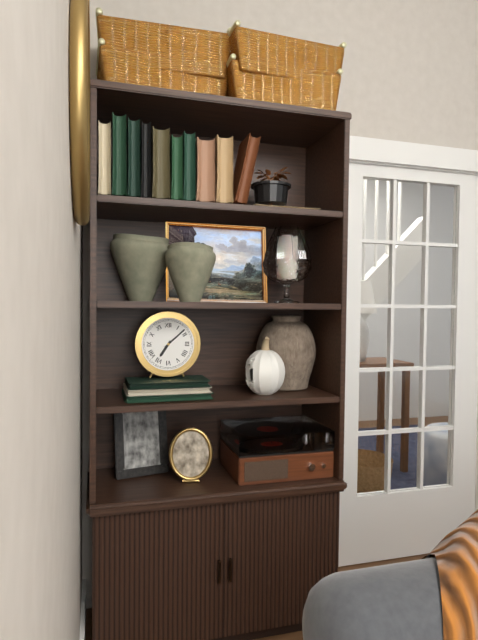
h=7 m=8
